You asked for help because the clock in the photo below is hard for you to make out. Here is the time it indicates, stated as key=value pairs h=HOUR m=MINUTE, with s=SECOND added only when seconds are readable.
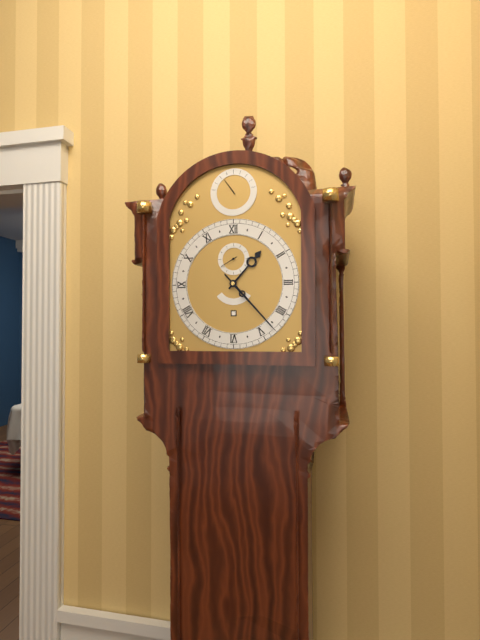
h=1 m=23
